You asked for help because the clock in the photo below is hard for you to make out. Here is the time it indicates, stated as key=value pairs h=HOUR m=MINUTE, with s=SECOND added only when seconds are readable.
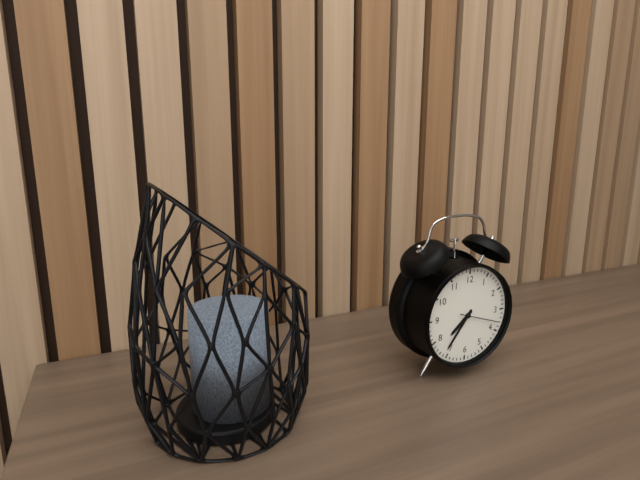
h=7 m=36 s=18
